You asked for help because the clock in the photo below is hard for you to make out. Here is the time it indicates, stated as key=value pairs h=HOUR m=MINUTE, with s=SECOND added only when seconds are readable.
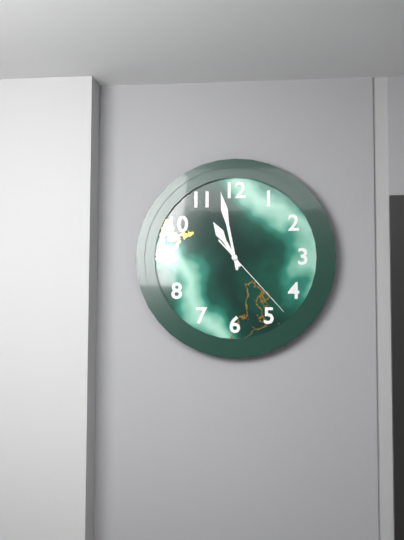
h=10 m=58 s=23
